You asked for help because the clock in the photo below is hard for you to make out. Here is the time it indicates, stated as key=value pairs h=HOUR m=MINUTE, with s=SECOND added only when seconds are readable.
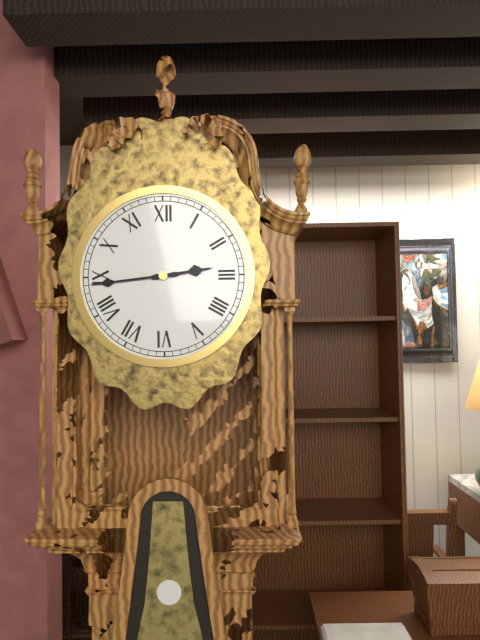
h=2 m=44
